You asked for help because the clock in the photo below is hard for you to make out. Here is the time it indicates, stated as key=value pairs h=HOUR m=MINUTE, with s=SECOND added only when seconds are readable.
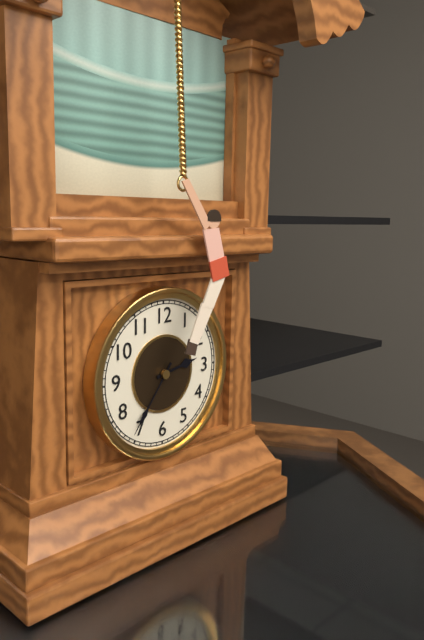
h=2 m=36
